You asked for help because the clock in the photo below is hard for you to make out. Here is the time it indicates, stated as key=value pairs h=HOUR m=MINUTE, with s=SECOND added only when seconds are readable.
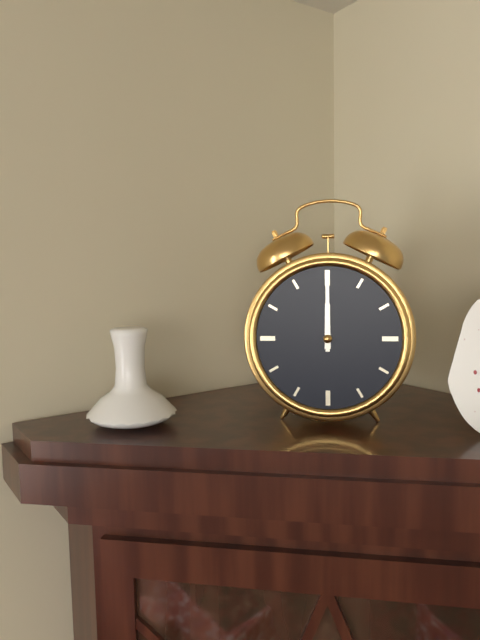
h=12 m=0
